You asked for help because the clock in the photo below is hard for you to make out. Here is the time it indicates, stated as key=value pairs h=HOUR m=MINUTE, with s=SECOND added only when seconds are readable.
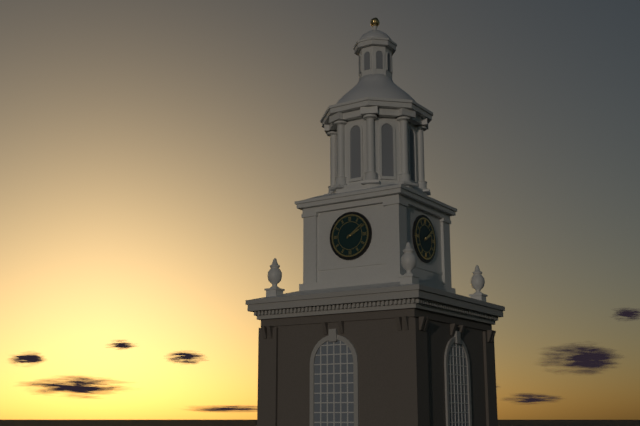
h=2 m=9
